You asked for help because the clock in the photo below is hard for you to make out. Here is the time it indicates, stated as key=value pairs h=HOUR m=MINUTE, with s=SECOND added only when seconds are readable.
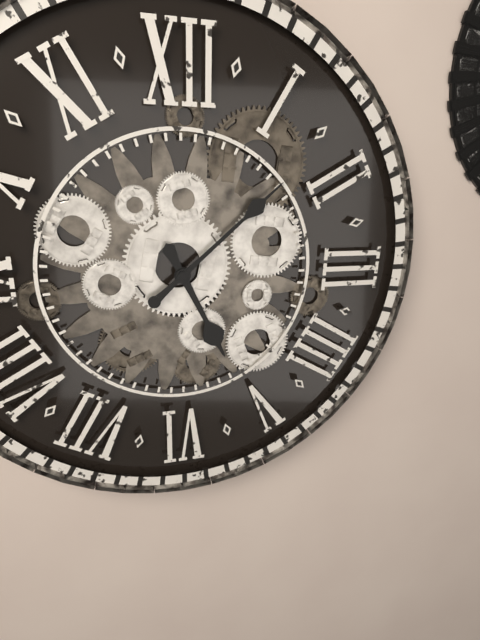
h=5 m=8
